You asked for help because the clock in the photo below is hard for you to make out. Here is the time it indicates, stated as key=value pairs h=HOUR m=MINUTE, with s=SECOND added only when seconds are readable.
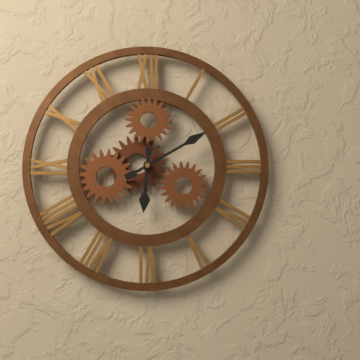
h=6 m=10
